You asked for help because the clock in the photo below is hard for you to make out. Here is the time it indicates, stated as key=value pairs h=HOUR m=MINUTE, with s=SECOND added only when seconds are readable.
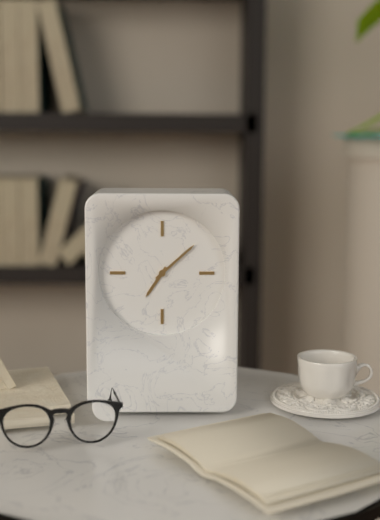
h=7 m=8
